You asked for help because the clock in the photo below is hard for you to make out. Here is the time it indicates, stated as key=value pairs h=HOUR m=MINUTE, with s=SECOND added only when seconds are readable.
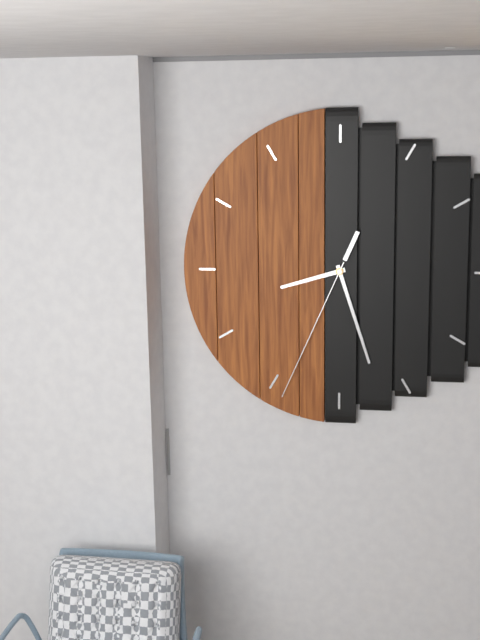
h=8 m=27 s=34
